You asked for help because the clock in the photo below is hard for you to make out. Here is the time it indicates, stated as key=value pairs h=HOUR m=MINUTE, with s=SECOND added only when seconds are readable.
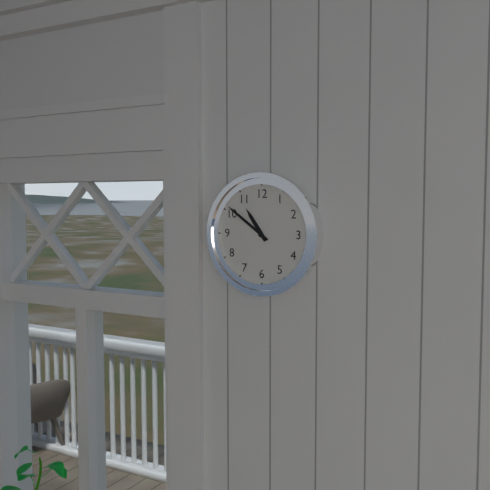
h=10 m=51
